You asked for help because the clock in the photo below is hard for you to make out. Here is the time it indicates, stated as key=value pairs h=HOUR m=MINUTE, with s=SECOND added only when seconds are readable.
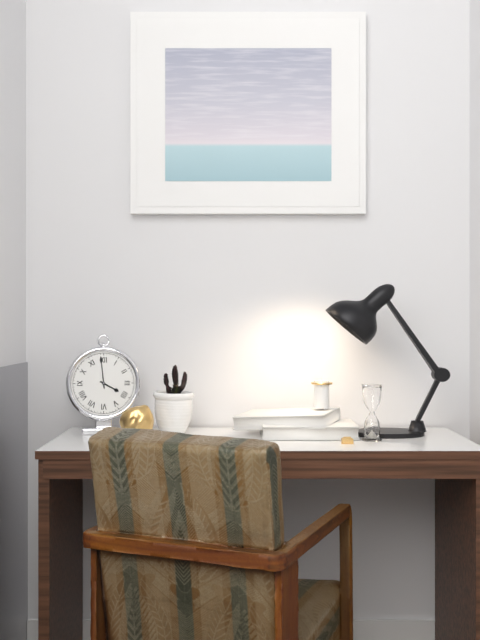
h=3 m=59
